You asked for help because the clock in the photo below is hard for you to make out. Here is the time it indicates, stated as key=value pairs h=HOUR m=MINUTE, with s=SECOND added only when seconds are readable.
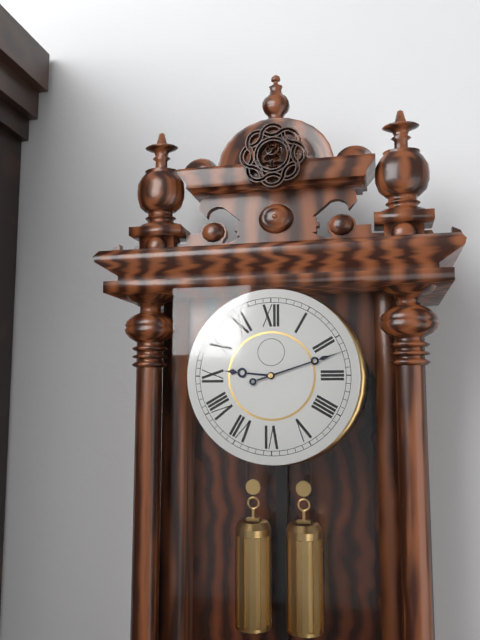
h=9 m=12
